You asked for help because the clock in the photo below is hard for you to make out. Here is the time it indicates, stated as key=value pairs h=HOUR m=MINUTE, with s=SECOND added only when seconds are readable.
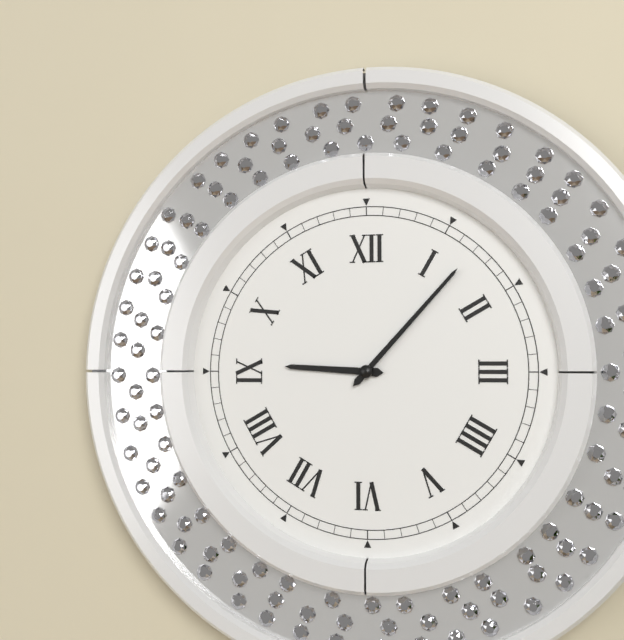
h=9 m=7
